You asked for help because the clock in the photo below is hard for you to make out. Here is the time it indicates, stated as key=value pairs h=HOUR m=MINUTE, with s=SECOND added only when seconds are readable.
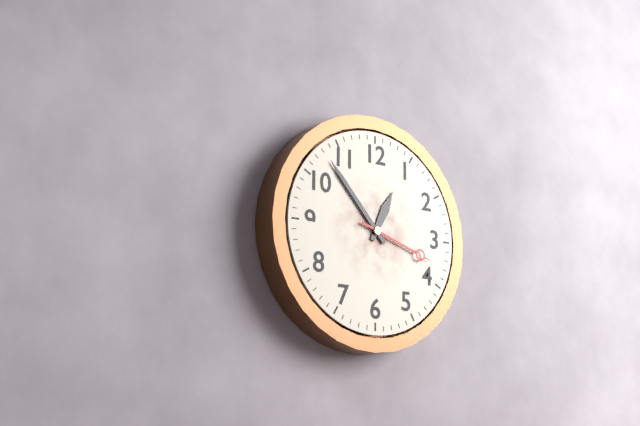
h=12 m=53 s=18
